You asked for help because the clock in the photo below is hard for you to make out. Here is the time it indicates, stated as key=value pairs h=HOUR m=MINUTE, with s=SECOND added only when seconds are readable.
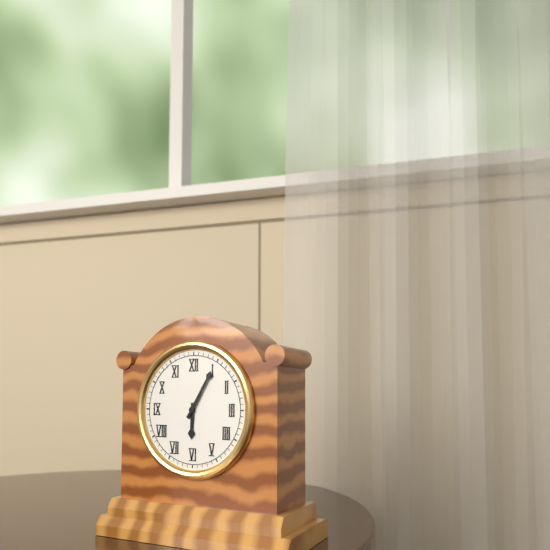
h=6 m=5
